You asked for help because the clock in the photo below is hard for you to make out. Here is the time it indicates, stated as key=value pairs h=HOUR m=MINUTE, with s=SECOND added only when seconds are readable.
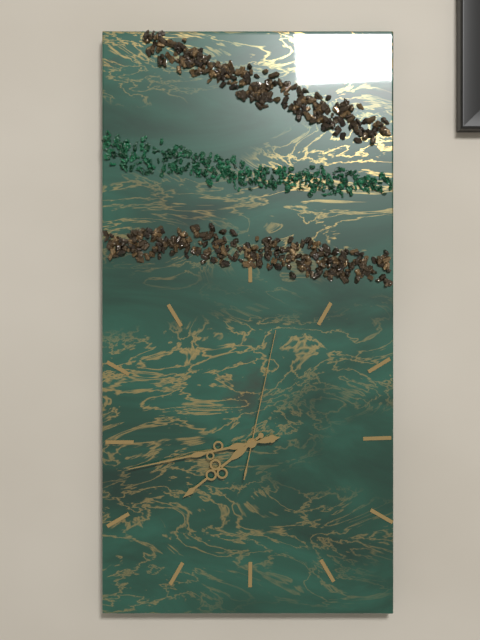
h=7 m=43 s=2
